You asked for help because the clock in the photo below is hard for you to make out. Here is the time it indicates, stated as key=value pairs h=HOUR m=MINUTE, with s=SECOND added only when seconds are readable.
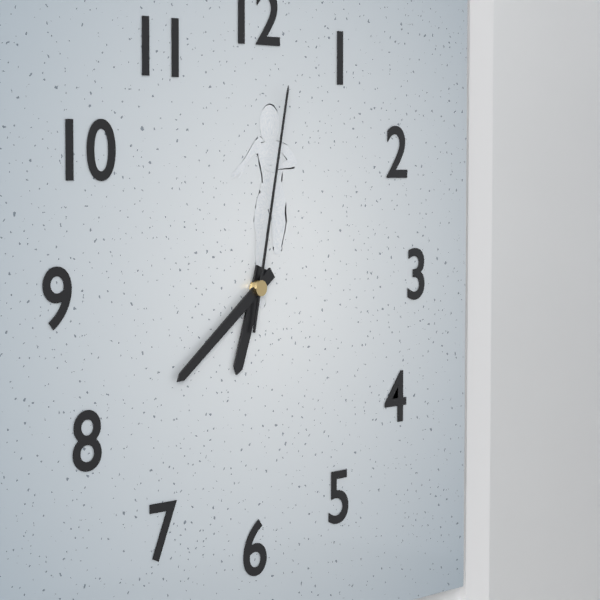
h=6 m=39 s=2
